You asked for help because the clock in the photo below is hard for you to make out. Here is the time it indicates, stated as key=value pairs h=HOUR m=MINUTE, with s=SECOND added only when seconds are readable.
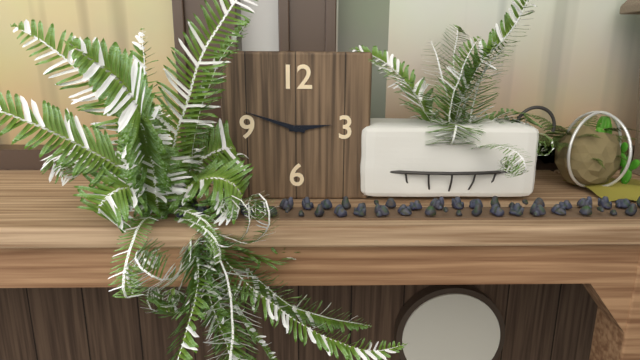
h=2 m=48
